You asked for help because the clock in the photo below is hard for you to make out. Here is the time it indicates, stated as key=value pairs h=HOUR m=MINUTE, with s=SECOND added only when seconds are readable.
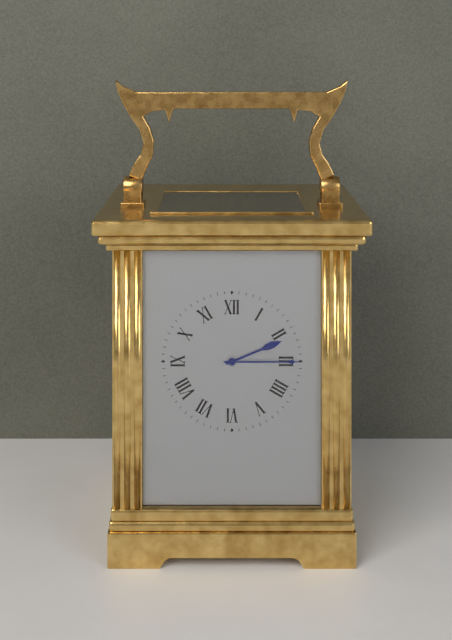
h=2 m=15
